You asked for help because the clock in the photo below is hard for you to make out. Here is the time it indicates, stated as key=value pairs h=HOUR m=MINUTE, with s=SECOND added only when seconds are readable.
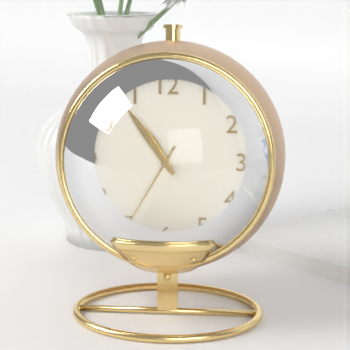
h=10 m=54 s=35
